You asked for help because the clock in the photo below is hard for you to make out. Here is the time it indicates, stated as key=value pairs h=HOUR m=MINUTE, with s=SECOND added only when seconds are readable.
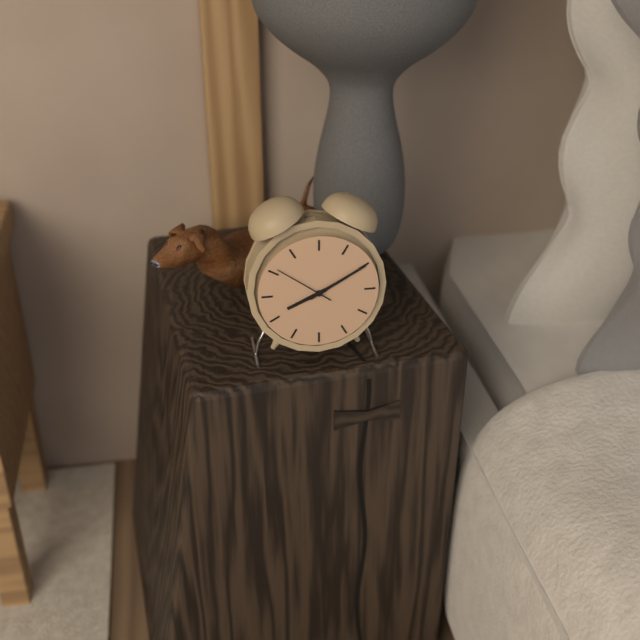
h=8 m=10 s=51
